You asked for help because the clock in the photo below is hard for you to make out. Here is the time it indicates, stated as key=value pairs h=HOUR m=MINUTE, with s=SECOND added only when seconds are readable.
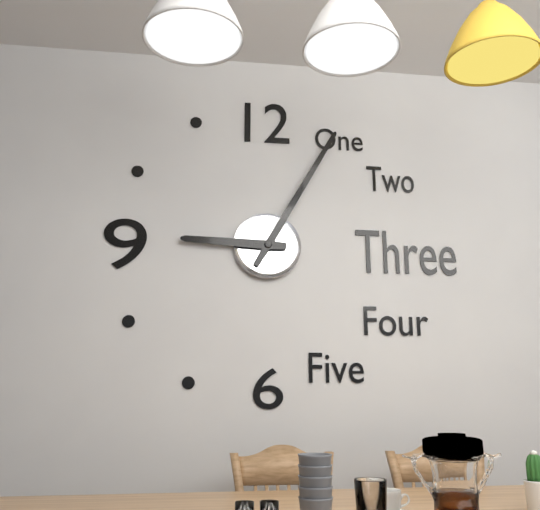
h=9 m=5
